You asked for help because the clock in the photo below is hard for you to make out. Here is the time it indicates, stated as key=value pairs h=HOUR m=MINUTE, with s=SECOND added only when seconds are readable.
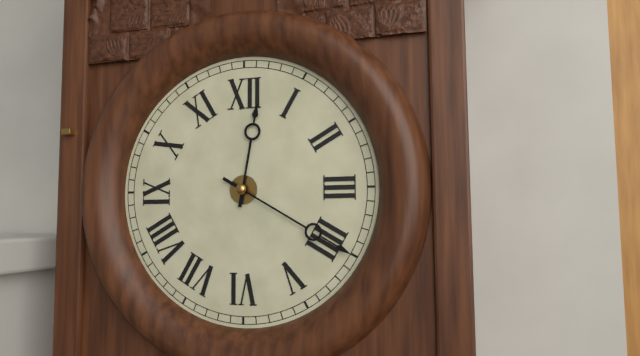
h=12 m=20
